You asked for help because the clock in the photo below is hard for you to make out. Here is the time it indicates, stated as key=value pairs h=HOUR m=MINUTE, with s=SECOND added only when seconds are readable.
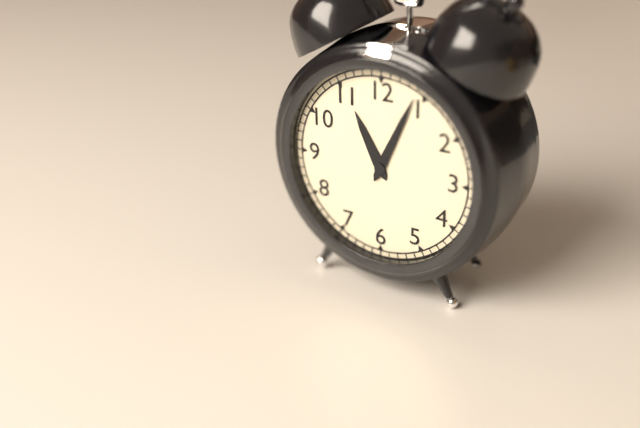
h=11 m=4
